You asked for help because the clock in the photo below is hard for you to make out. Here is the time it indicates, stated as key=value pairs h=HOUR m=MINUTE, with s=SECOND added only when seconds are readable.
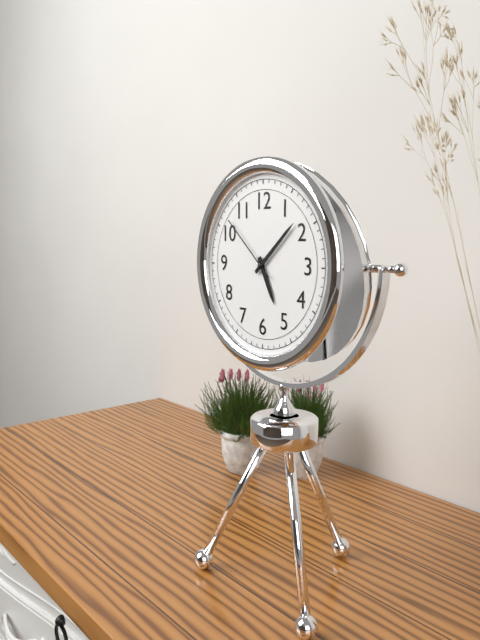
h=5 m=8 s=52
